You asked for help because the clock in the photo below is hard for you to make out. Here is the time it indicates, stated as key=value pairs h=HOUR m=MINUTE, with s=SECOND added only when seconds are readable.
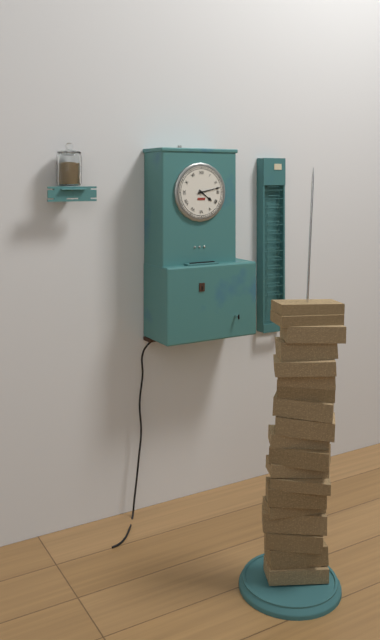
h=4 m=13
